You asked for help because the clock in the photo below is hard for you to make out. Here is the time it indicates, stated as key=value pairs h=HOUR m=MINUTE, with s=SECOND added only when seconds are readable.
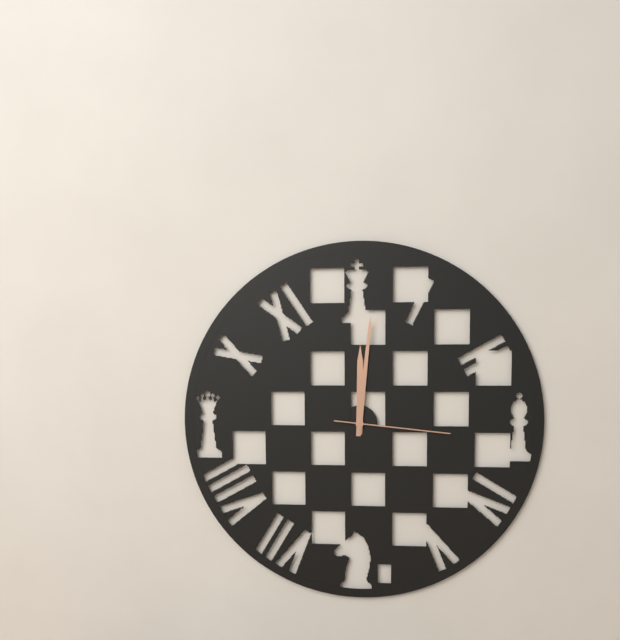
h=12 m=1 s=16
